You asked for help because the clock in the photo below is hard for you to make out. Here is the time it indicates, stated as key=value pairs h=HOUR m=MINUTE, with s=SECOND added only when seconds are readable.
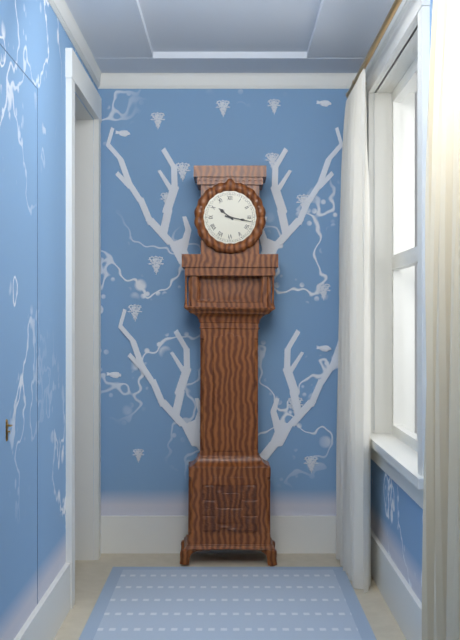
h=10 m=17
